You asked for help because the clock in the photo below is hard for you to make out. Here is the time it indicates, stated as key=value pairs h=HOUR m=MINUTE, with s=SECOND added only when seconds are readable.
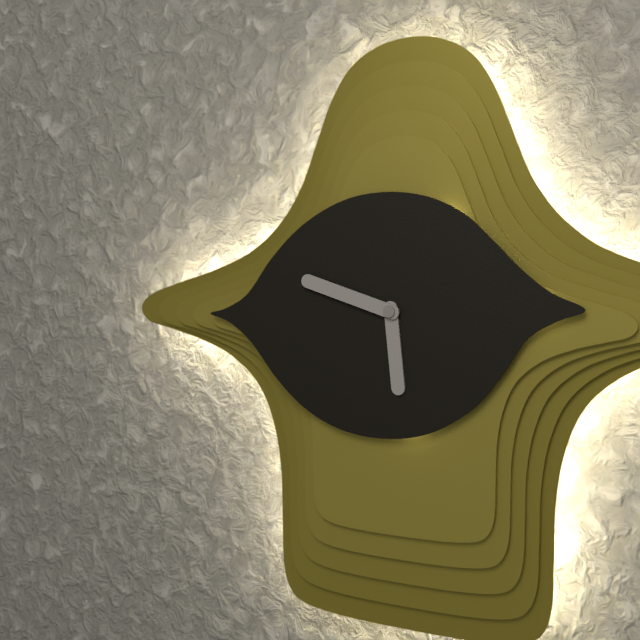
h=5 m=48
